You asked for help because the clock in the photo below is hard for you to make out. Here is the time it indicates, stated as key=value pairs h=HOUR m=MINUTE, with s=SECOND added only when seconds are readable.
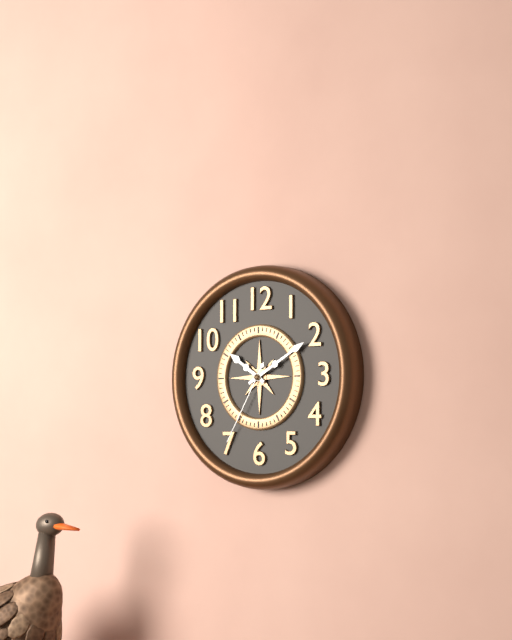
h=10 m=10 s=35
